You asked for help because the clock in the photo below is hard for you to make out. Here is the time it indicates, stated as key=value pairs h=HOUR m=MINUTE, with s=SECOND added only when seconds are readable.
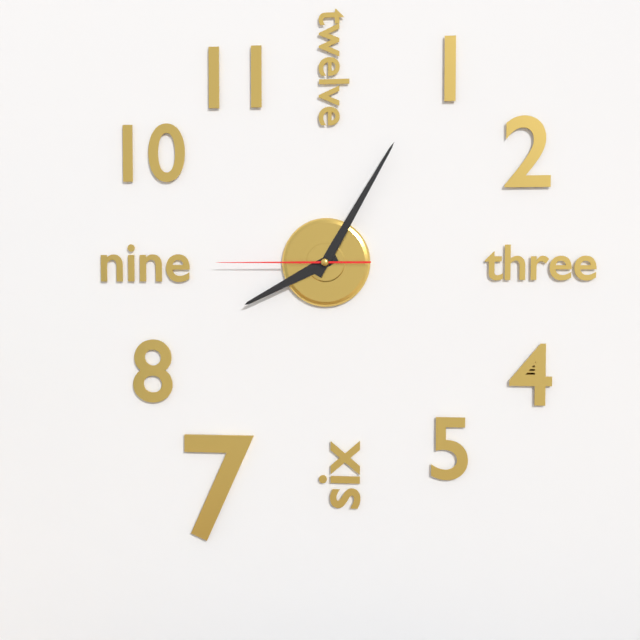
h=8 m=5 s=45
